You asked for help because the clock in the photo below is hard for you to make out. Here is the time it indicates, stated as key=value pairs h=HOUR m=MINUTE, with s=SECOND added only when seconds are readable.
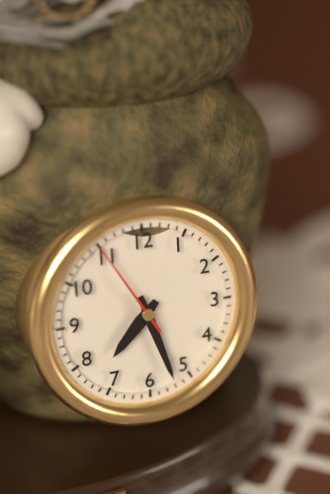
h=7 m=27 s=55
